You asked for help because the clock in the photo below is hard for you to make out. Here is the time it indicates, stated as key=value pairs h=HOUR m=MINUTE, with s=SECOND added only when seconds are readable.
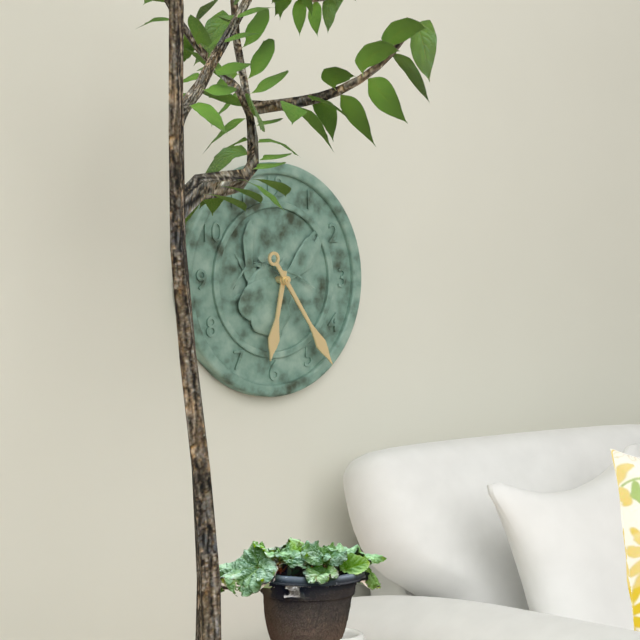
h=6 m=24
